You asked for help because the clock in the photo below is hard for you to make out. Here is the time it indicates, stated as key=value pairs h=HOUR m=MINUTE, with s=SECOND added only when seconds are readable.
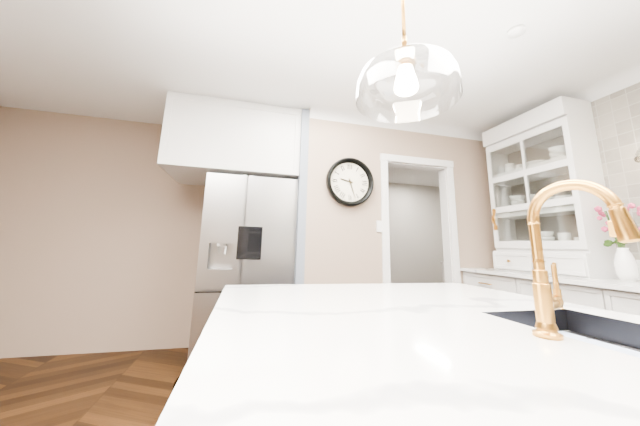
h=9 m=27
